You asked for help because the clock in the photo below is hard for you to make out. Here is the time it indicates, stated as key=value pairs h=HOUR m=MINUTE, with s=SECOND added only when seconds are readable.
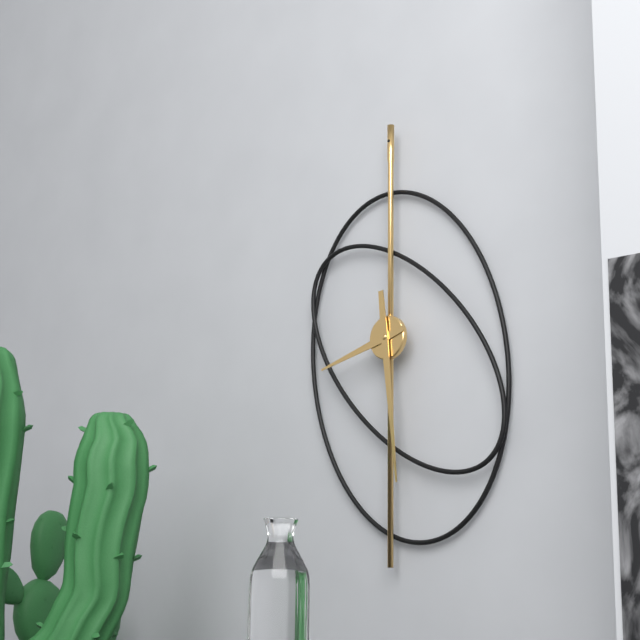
h=8 m=29
